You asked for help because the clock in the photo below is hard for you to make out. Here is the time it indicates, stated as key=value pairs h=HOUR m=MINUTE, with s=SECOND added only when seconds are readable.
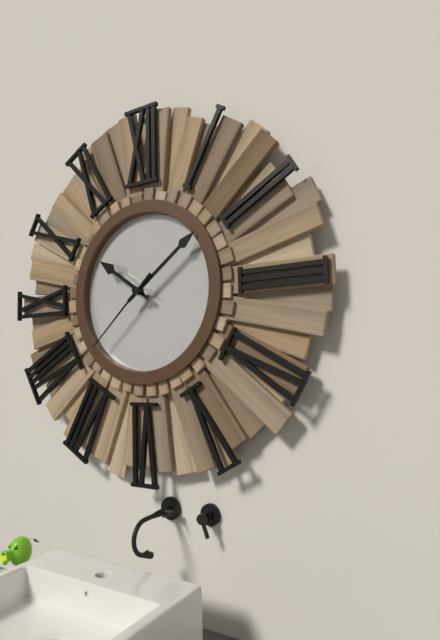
h=10 m=9 s=38
